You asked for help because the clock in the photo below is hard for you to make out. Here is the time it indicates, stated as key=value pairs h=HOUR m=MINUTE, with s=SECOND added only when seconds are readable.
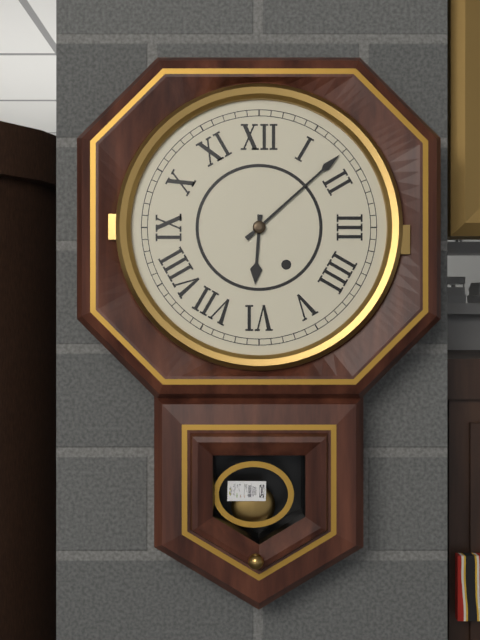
h=6 m=8
